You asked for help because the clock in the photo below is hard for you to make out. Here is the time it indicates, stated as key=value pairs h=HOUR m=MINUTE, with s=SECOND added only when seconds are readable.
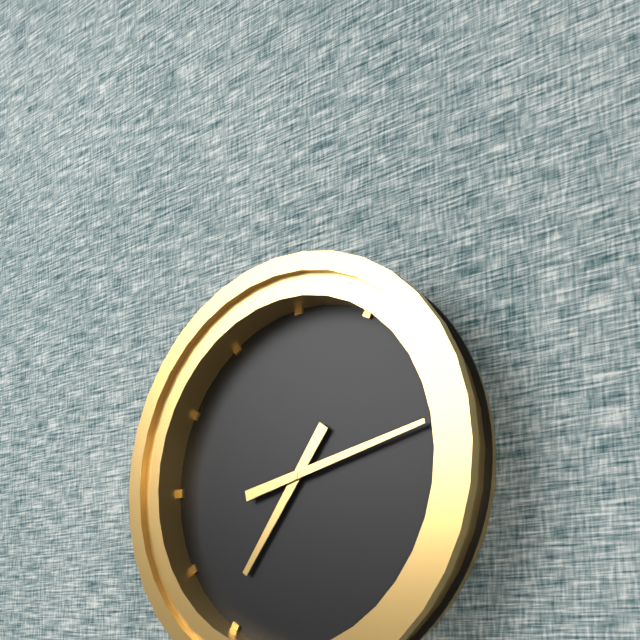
h=7 m=13
